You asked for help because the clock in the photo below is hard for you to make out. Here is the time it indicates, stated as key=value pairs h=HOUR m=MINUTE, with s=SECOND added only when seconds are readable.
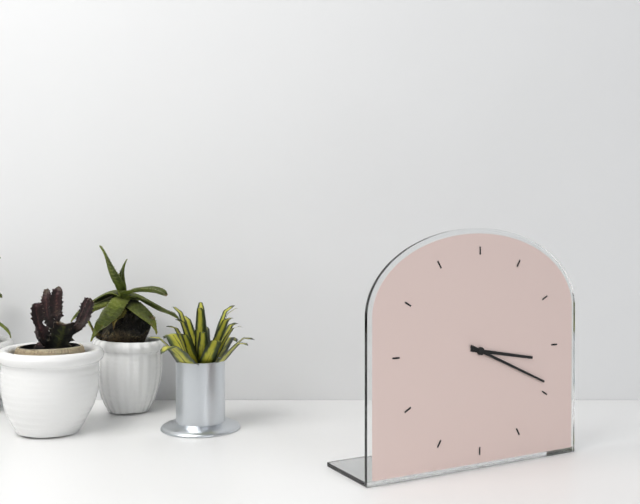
h=3 m=19
